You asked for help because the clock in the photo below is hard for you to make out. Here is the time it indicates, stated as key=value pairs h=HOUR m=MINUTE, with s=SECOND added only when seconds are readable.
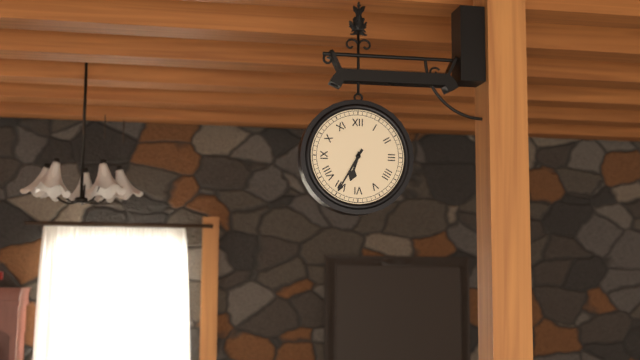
h=6 m=35
